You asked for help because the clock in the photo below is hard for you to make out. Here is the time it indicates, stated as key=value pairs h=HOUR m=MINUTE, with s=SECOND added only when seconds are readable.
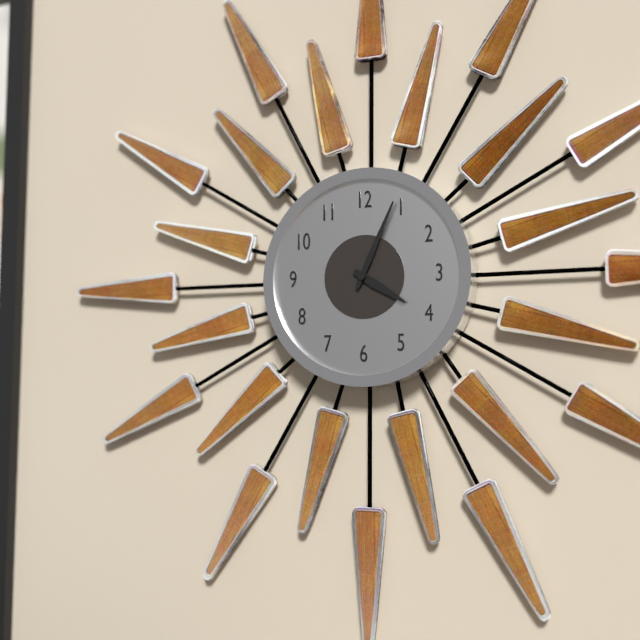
h=4 m=4
